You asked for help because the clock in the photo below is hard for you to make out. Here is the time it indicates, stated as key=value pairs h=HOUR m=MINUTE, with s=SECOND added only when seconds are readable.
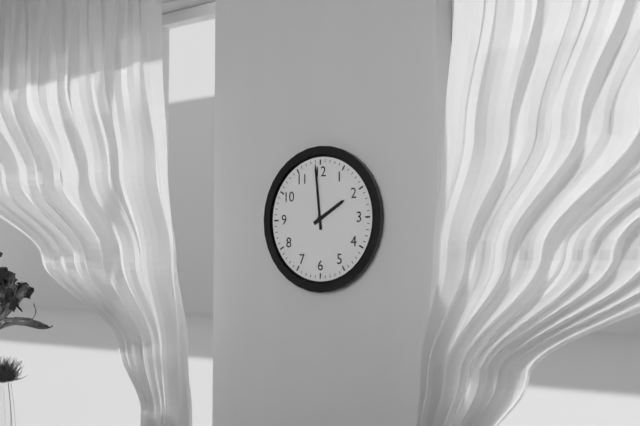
h=1 m=59
